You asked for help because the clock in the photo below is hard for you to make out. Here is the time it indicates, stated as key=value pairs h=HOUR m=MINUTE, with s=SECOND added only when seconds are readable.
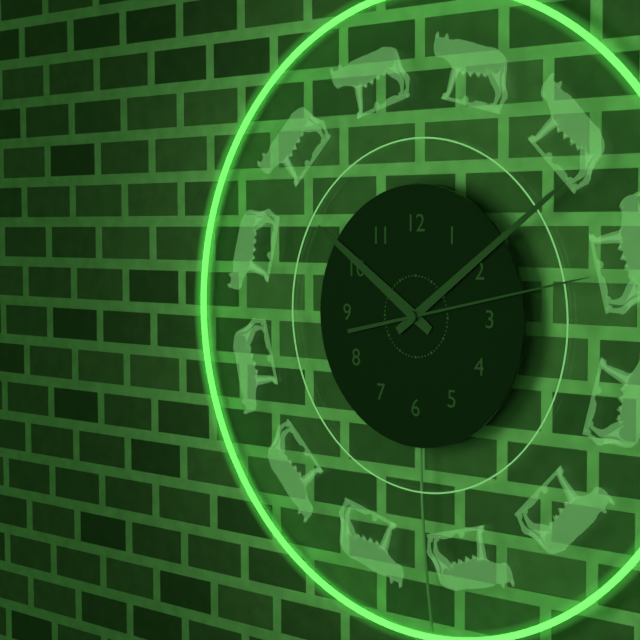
h=10 m=9 s=13
